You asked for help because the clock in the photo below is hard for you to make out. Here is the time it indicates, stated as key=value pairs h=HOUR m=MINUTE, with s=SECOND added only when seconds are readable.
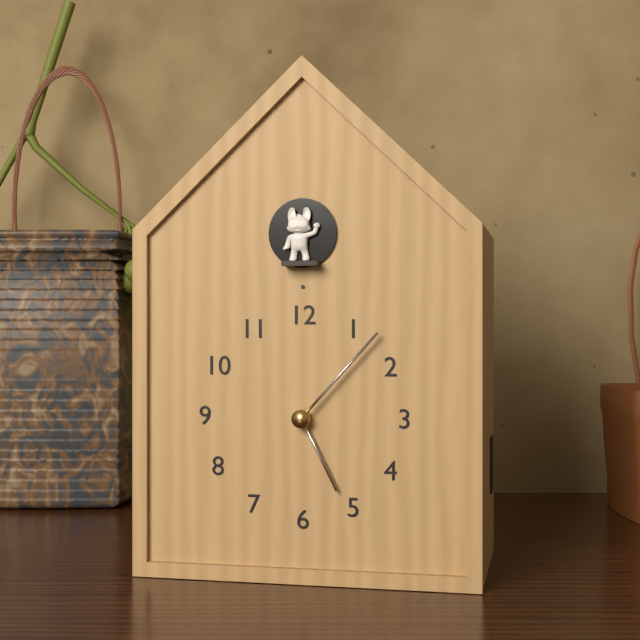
h=5 m=7
